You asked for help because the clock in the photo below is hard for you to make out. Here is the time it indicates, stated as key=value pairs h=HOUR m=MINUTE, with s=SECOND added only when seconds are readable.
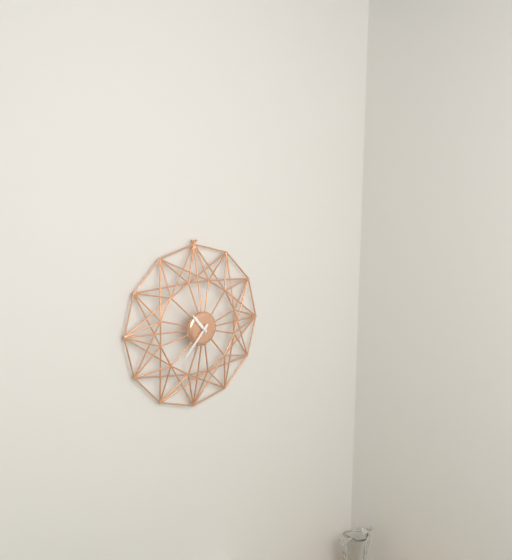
h=10 m=37
